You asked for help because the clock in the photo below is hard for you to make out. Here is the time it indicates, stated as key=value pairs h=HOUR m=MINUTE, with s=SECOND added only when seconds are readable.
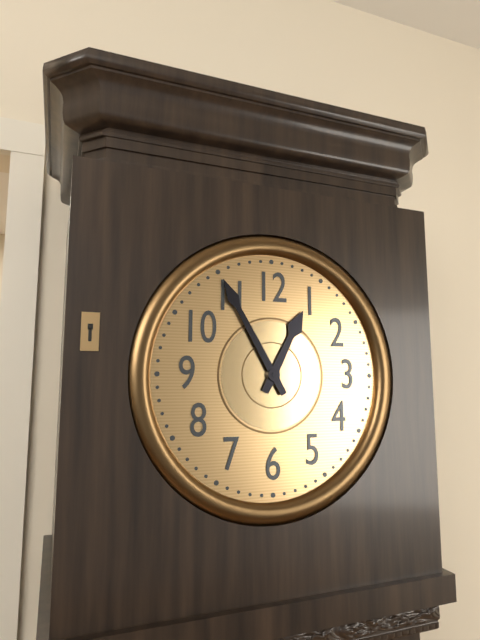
h=12 m=55
